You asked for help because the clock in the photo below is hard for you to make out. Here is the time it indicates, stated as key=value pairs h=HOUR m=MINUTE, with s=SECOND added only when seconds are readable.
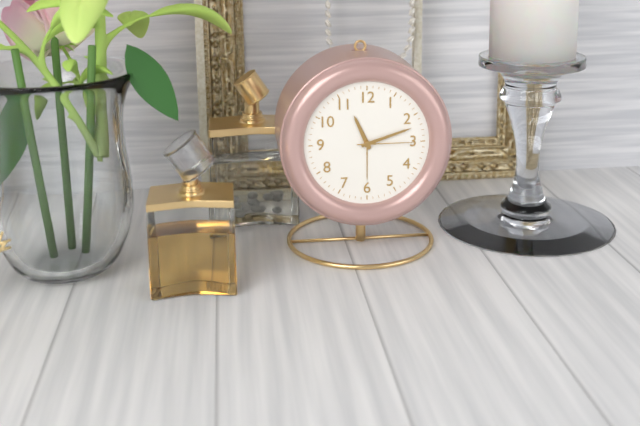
h=11 m=12 s=15
